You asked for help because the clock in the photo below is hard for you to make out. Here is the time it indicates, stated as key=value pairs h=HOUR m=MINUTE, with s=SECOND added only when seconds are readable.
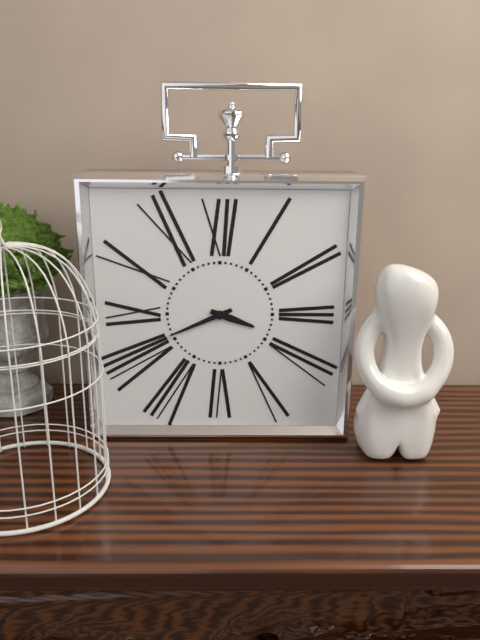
h=3 m=41
